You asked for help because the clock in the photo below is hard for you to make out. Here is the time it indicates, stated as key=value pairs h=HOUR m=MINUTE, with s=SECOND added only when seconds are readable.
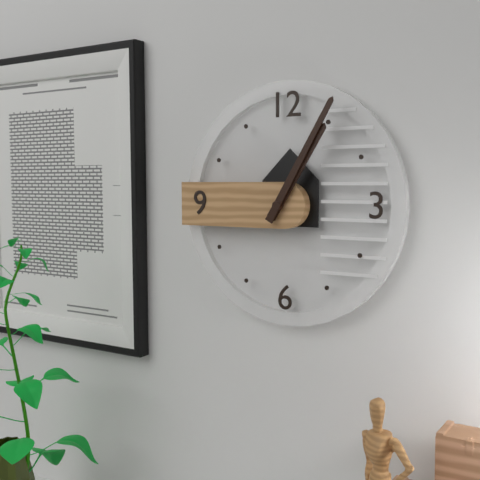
h=1 m=5
